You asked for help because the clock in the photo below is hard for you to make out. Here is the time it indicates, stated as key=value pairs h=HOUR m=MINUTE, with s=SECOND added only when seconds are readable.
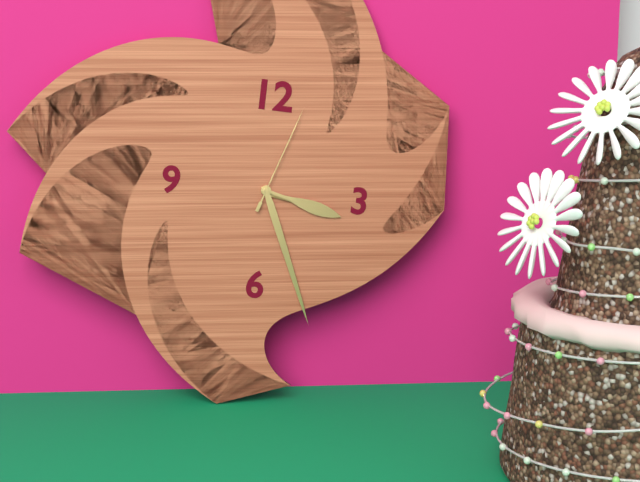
h=3 m=26 s=3
